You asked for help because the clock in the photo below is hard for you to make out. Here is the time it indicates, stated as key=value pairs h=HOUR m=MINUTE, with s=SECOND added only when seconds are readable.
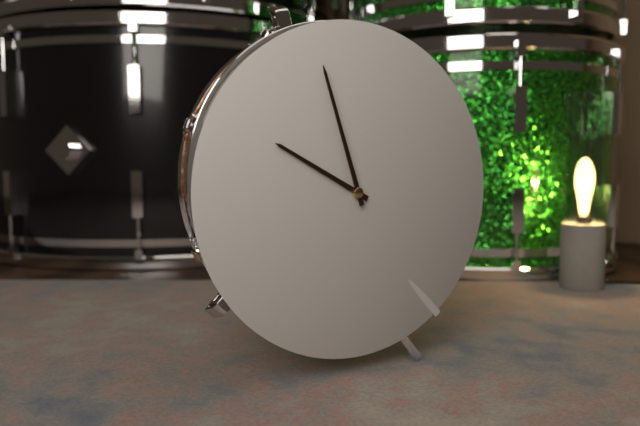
h=9 m=57
